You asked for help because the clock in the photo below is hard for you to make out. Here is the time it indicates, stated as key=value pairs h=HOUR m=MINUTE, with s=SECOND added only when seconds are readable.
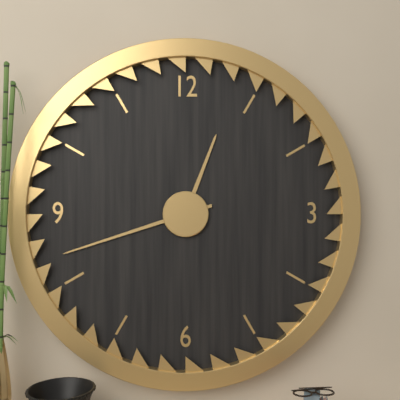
h=12 m=42
